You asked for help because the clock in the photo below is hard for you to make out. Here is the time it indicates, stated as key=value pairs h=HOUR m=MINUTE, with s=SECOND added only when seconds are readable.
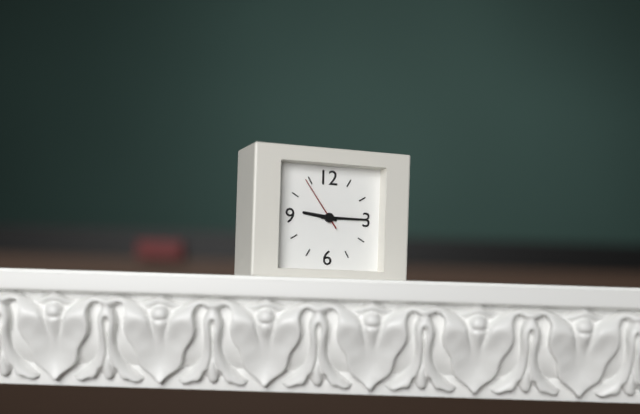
h=9 m=15 s=54
